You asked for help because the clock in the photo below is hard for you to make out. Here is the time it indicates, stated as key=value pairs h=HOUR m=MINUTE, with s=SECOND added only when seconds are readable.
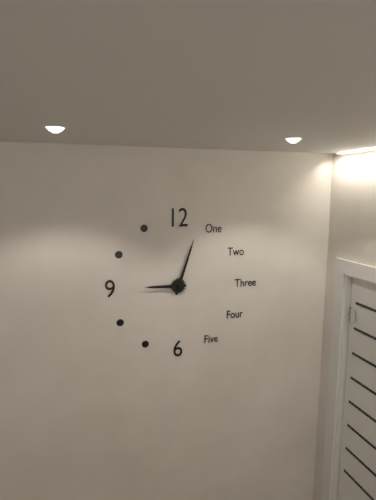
h=9 m=3
